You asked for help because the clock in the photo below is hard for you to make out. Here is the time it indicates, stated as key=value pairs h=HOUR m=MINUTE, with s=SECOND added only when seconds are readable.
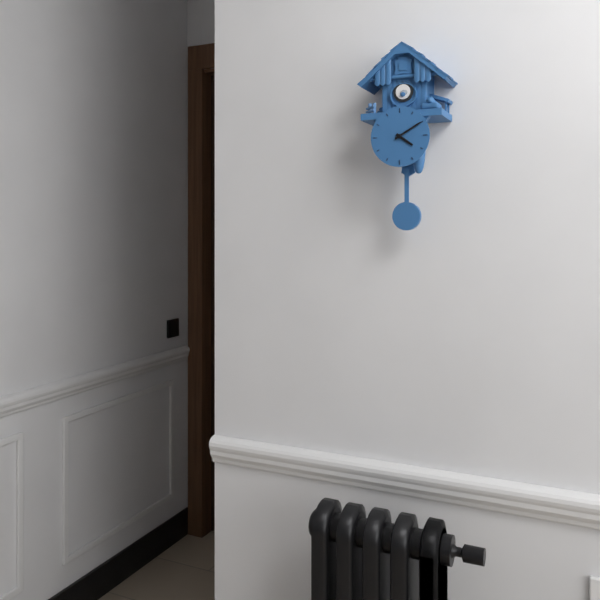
h=4 m=10
